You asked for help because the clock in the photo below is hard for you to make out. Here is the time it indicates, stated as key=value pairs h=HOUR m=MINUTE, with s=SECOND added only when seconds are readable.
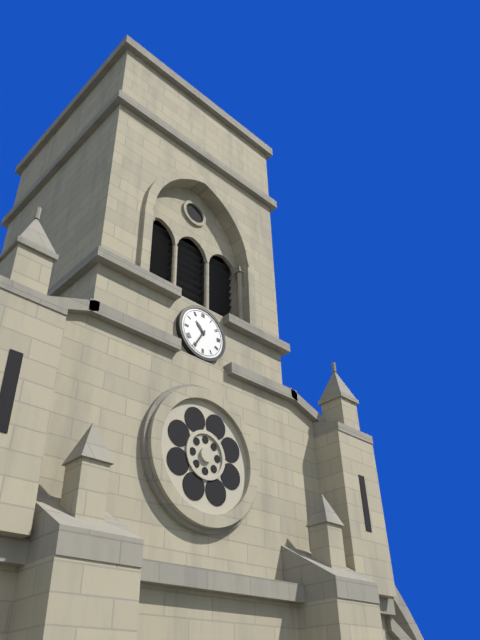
h=10 m=35
